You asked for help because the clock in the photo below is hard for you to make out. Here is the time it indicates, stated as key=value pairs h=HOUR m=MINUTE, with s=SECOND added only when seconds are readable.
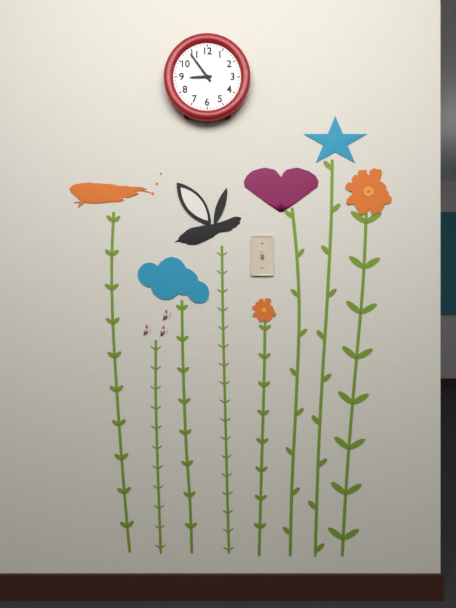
h=8 m=54
